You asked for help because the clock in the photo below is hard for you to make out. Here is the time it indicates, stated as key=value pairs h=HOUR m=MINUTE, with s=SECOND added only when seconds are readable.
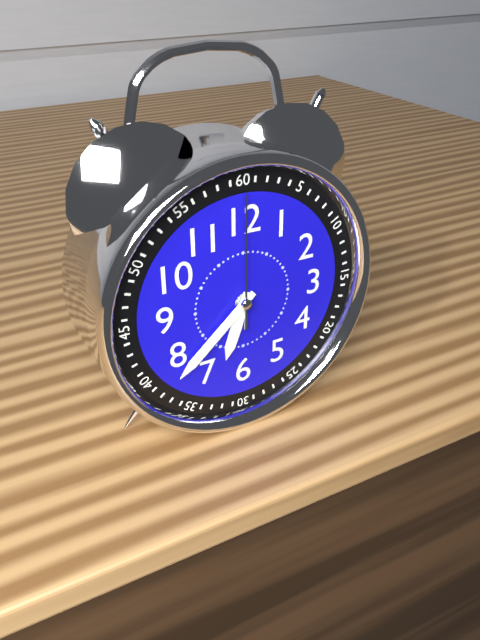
h=6 m=38 s=0
